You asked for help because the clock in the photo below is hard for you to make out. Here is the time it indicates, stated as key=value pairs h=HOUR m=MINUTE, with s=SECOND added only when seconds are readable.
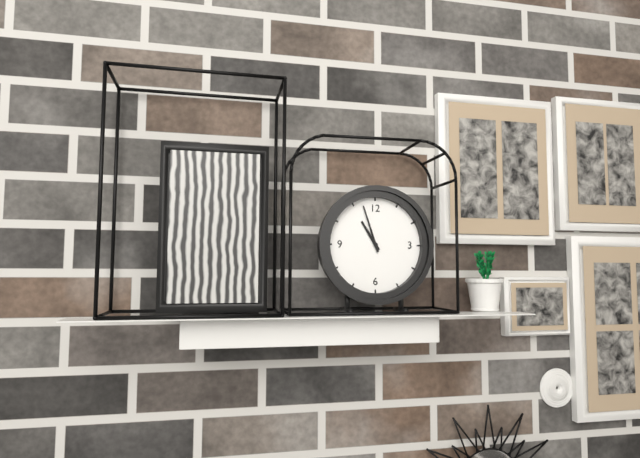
h=10 m=57
